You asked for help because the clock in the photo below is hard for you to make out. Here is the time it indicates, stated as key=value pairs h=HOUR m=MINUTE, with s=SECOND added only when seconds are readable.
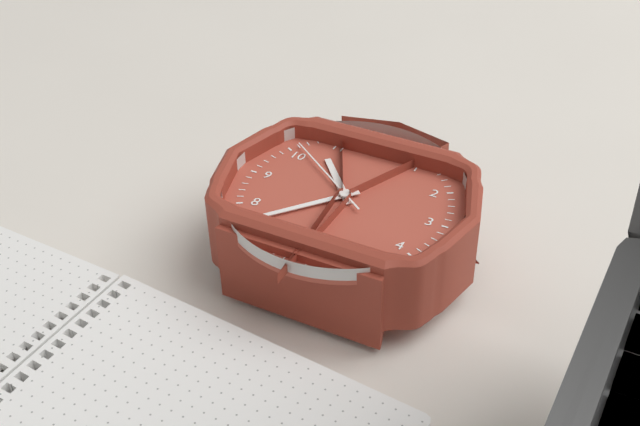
h=10 m=37 s=51
